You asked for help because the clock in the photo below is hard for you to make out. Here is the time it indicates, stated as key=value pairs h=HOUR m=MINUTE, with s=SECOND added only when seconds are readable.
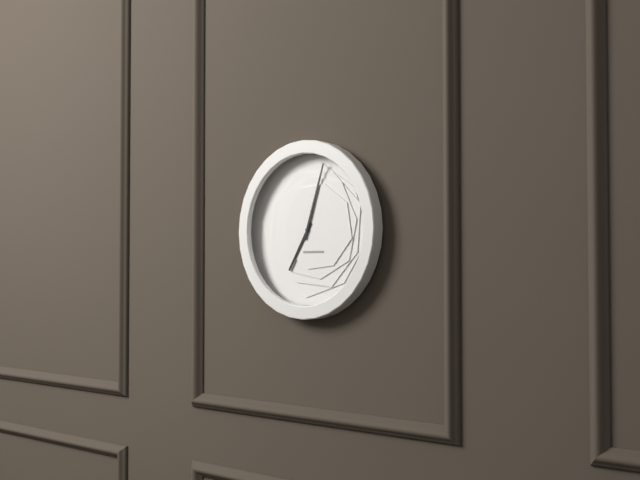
h=7 m=3
